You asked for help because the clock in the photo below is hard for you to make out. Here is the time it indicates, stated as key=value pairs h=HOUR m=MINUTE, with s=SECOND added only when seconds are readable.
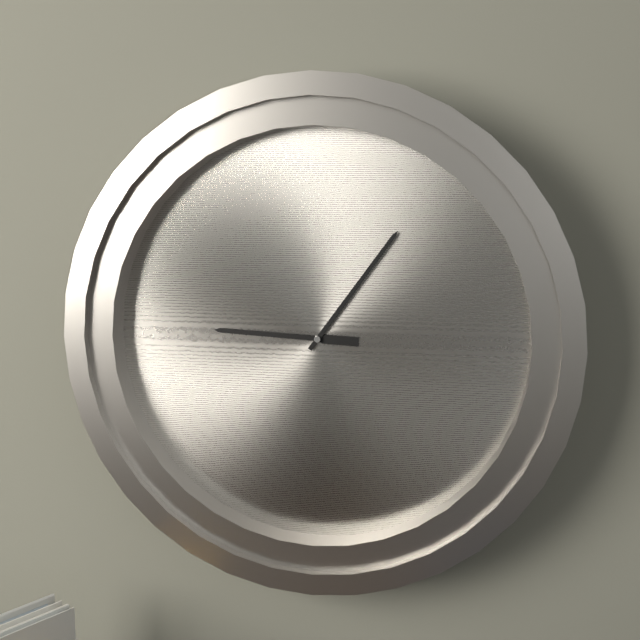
h=9 m=6
